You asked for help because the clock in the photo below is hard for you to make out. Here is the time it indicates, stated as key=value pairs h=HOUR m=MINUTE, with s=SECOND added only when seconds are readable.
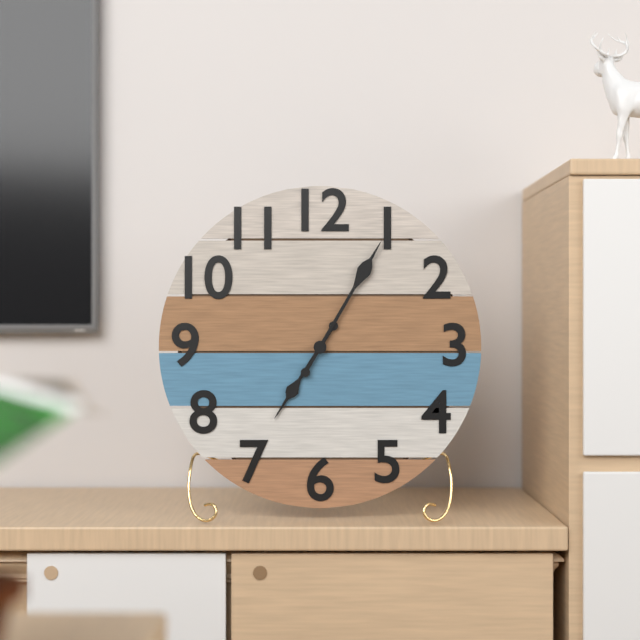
h=7 m=5
